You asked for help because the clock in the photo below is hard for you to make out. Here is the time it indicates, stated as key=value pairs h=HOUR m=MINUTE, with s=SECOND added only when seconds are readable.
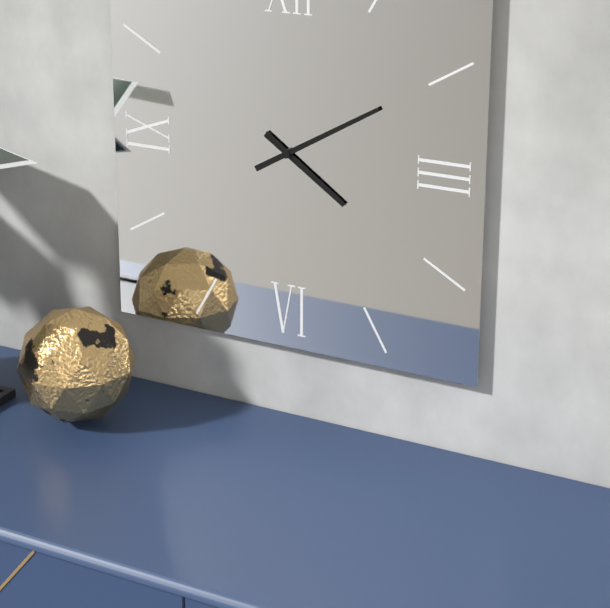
h=4 m=10
